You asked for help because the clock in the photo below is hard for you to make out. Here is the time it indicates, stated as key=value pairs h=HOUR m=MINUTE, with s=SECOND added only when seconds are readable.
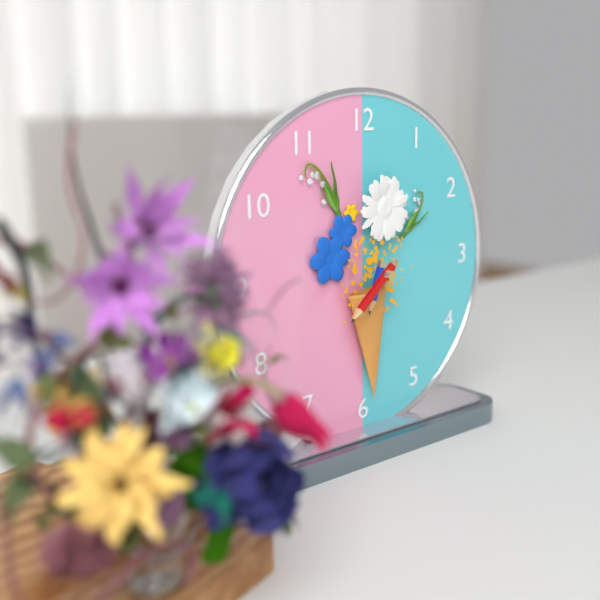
h=6 m=38
